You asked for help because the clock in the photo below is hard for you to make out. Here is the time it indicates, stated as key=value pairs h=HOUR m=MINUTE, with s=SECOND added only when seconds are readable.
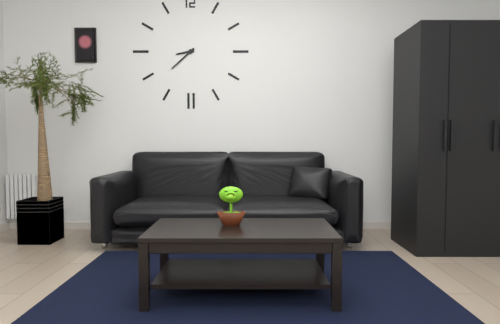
h=8 m=38
